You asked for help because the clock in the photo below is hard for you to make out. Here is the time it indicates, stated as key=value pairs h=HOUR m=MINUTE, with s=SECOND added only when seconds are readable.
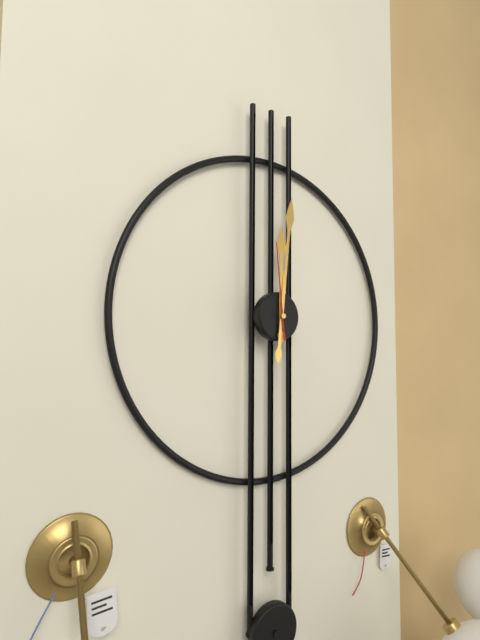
h=12 m=1 s=59
